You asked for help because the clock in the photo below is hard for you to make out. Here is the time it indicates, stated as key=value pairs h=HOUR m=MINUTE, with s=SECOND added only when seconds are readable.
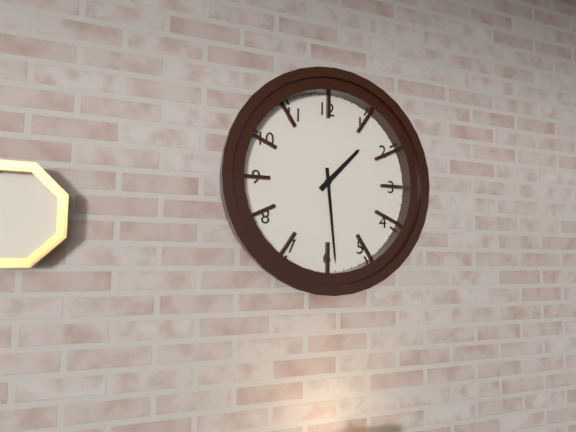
h=1 m=29
